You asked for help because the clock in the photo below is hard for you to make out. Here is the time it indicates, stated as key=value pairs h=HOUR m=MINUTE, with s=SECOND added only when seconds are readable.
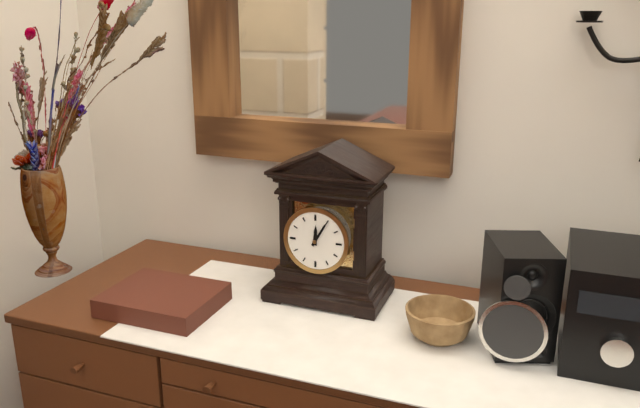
h=12 m=5
